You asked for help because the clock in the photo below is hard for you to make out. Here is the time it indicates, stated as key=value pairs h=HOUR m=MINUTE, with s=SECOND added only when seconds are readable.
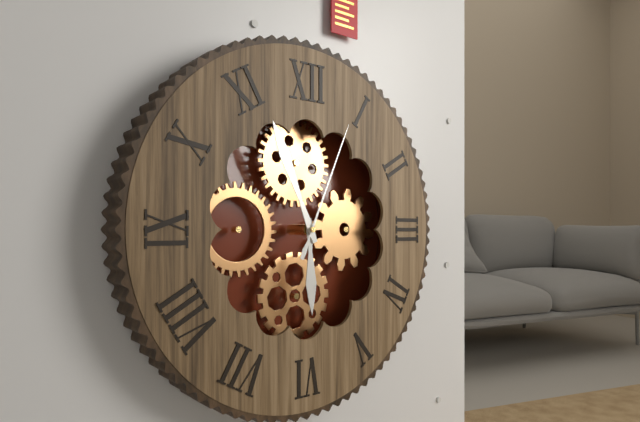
h=5 m=56 s=4
